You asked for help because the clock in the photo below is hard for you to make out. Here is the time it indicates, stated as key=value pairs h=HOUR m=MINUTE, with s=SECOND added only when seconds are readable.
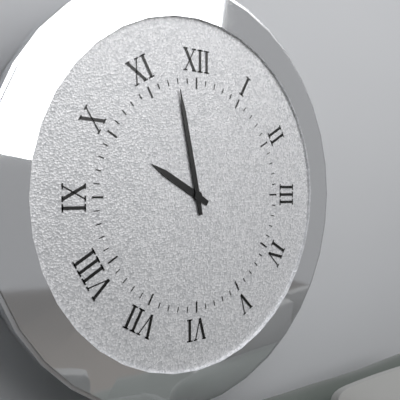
h=9 m=58
